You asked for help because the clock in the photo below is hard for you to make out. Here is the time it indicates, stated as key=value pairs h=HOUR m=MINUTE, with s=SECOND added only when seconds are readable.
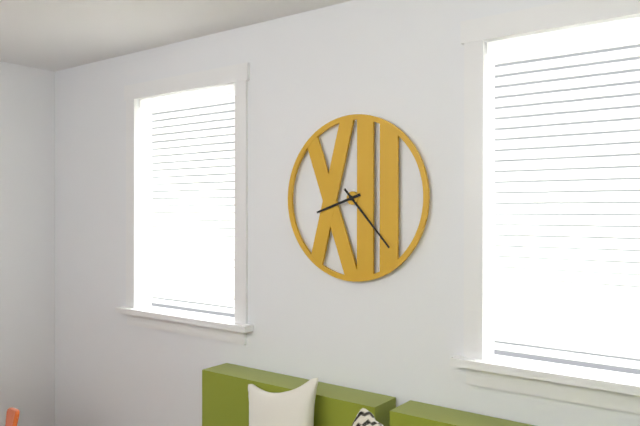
h=8 m=23
